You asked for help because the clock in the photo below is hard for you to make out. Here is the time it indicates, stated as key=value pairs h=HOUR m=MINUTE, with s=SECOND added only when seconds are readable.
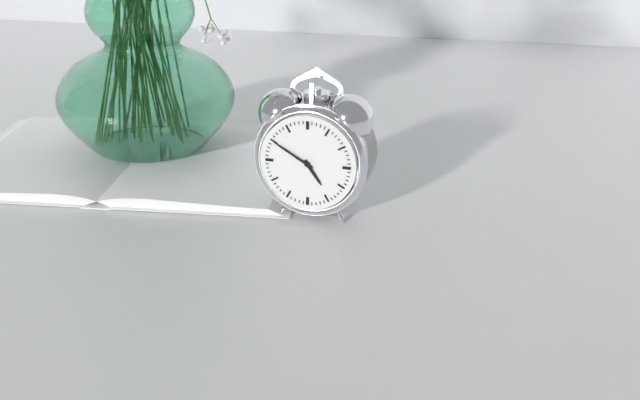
h=4 m=50
